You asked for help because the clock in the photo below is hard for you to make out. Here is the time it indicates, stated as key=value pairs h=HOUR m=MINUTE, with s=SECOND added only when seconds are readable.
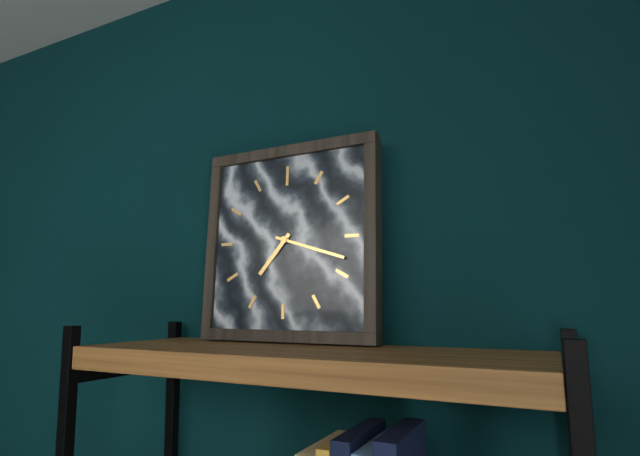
h=7 m=18
